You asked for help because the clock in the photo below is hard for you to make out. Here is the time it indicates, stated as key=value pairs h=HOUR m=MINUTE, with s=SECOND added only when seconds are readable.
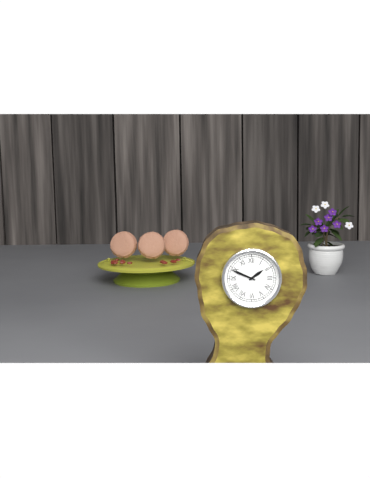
h=1 m=49
